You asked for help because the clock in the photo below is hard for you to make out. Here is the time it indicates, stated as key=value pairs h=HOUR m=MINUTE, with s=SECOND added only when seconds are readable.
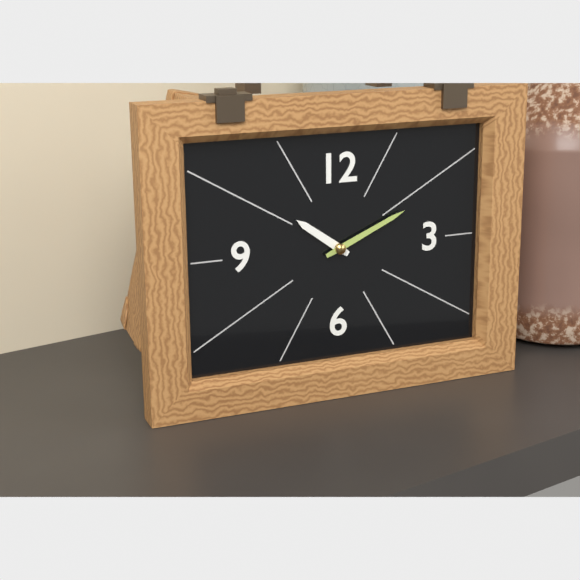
h=10 m=11
